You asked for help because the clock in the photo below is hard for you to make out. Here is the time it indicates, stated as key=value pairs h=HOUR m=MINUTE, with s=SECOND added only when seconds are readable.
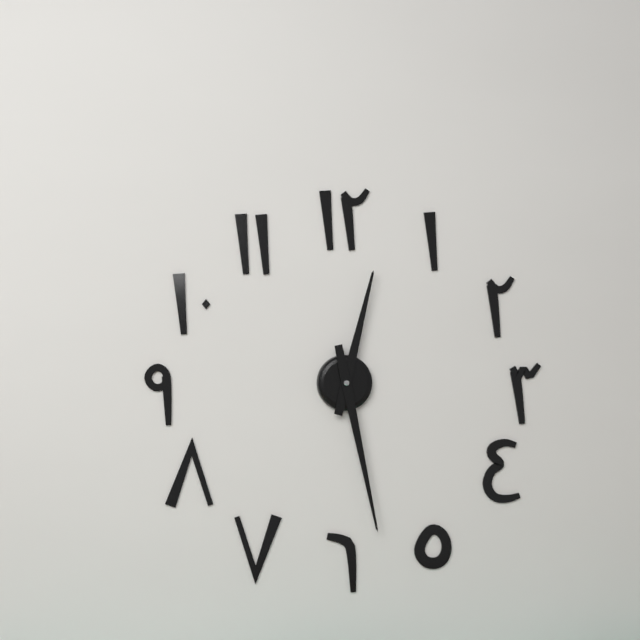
h=12 m=28
